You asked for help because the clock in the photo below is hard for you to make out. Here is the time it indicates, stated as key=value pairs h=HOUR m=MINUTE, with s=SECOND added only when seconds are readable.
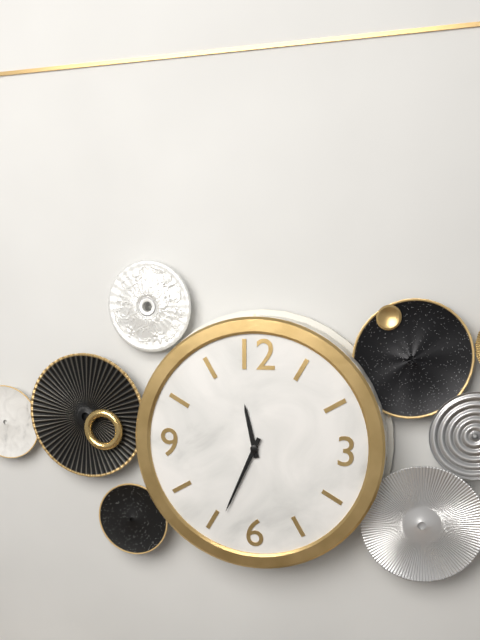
h=11 m=34
